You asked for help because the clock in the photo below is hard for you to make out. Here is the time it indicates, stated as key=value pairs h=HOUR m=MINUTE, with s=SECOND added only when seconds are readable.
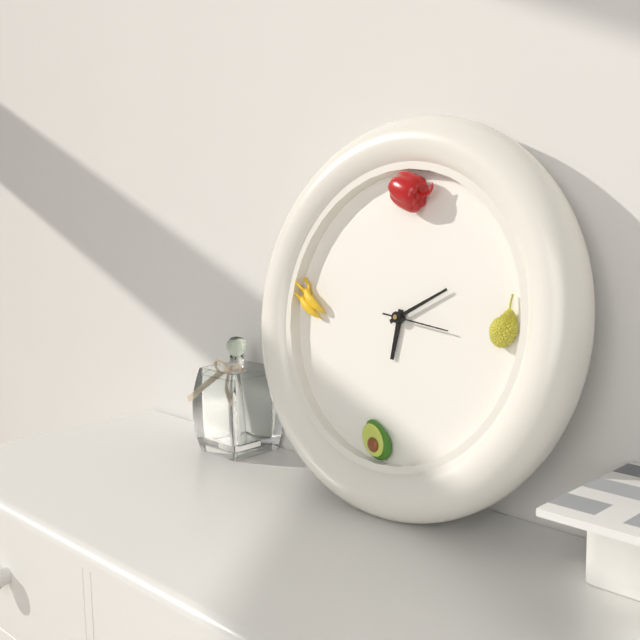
h=6 m=10 s=16
